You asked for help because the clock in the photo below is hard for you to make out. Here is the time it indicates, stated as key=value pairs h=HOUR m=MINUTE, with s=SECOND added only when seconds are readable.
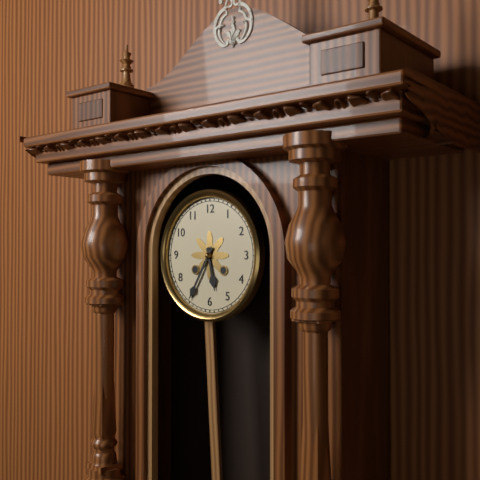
h=5 m=35
